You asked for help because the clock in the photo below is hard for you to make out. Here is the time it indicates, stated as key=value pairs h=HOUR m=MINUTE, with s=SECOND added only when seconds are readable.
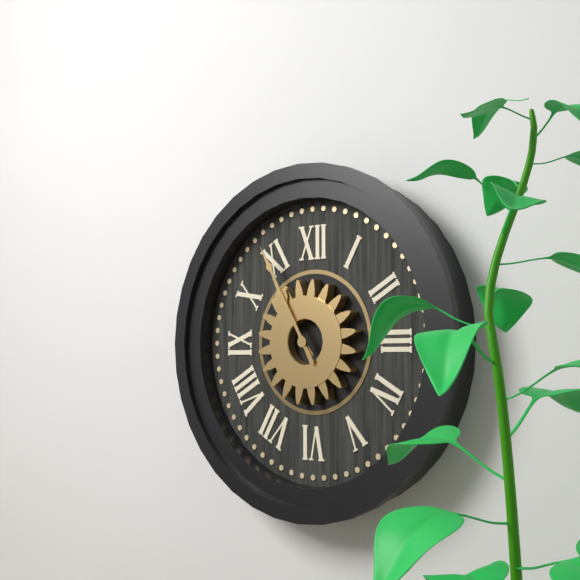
h=10 m=55
